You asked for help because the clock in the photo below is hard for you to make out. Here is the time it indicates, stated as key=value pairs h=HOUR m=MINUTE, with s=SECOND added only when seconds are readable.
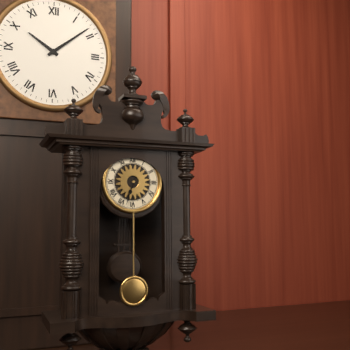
h=6 m=33
